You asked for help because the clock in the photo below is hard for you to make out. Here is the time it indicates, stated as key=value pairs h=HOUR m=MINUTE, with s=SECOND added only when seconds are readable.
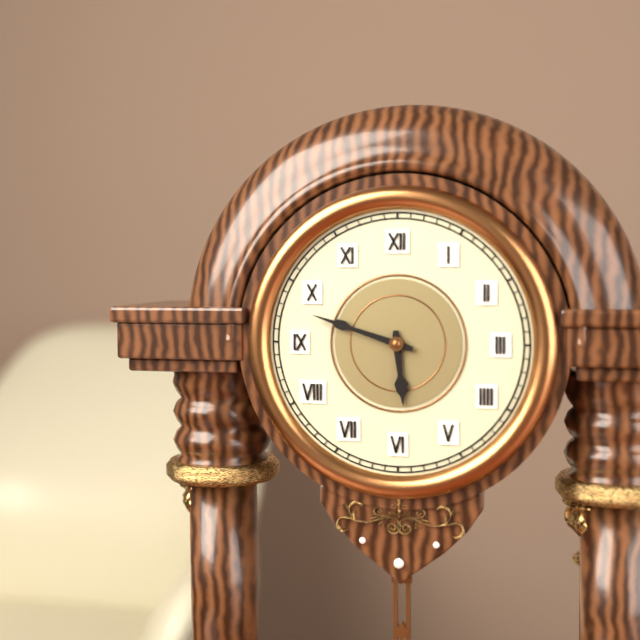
h=5 m=48
